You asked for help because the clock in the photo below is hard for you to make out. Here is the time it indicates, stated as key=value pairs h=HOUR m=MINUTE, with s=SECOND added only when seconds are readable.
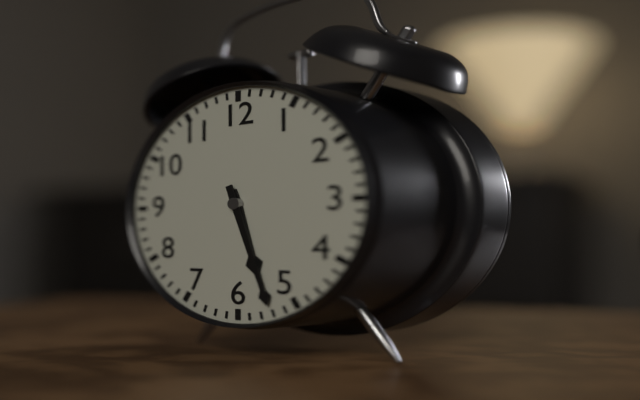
h=5 m=27
